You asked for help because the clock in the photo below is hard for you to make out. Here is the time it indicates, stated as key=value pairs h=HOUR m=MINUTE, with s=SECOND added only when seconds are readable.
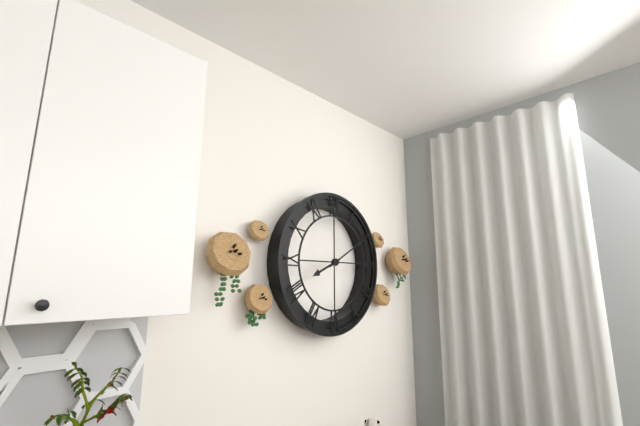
h=8 m=10
